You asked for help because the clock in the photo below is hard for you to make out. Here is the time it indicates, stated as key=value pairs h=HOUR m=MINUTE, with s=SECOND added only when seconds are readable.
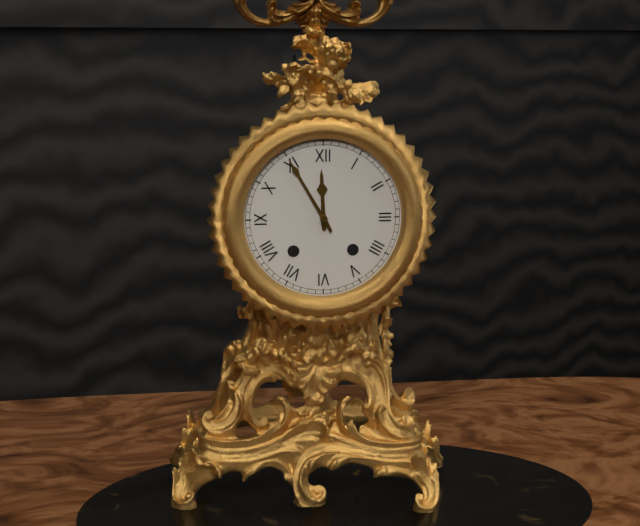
h=11 m=55
